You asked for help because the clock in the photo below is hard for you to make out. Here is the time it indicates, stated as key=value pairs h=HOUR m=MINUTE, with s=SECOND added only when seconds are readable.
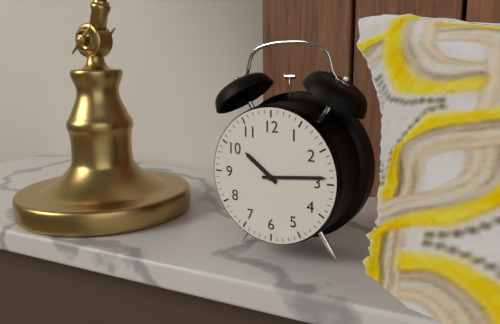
h=10 m=14
